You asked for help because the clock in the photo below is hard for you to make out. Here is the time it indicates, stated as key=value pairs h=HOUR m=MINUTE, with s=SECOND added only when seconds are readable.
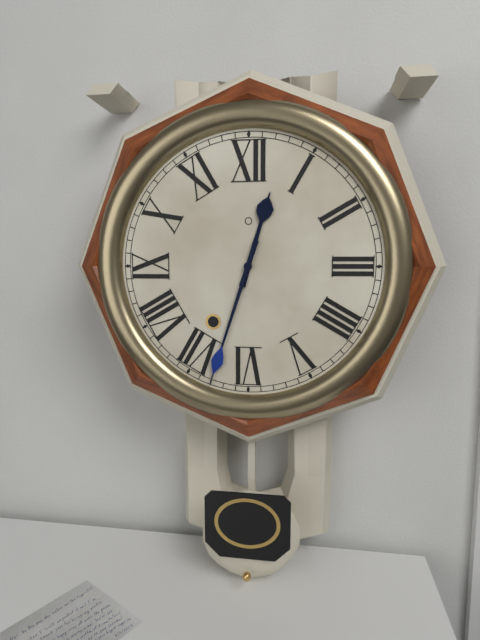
h=12 m=33
